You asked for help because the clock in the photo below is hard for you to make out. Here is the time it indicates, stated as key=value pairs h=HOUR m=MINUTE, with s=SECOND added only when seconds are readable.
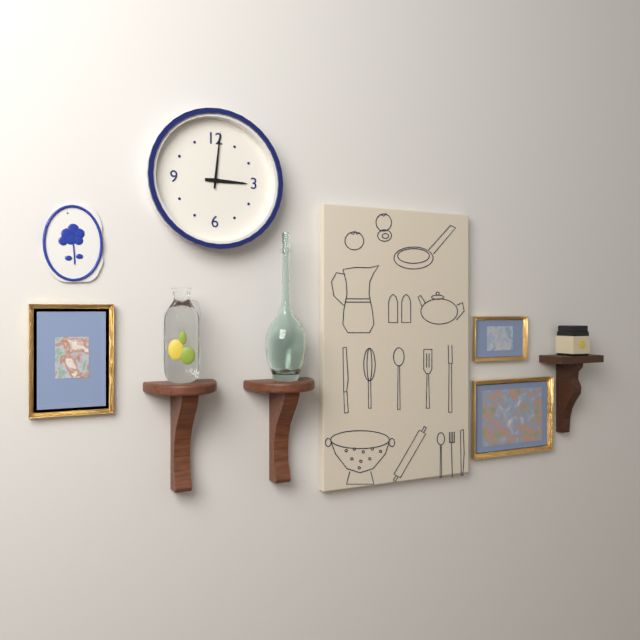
h=3 m=1
